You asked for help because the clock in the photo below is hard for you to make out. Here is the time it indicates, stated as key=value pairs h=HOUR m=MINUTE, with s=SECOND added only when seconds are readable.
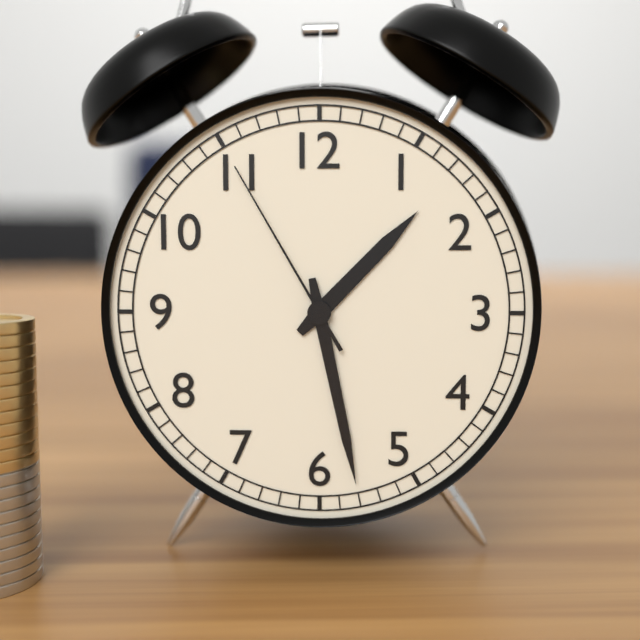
h=1 m=28 s=55
